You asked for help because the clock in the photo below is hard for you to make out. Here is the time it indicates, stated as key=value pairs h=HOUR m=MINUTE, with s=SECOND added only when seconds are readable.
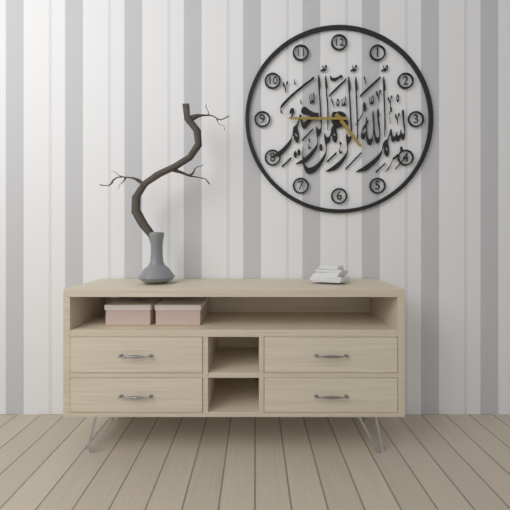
h=4 m=45
